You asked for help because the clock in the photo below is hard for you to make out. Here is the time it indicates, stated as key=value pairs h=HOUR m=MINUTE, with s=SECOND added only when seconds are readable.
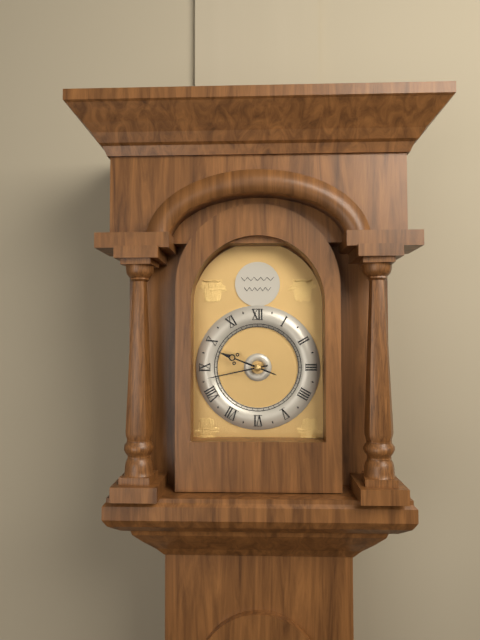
h=9 m=43
